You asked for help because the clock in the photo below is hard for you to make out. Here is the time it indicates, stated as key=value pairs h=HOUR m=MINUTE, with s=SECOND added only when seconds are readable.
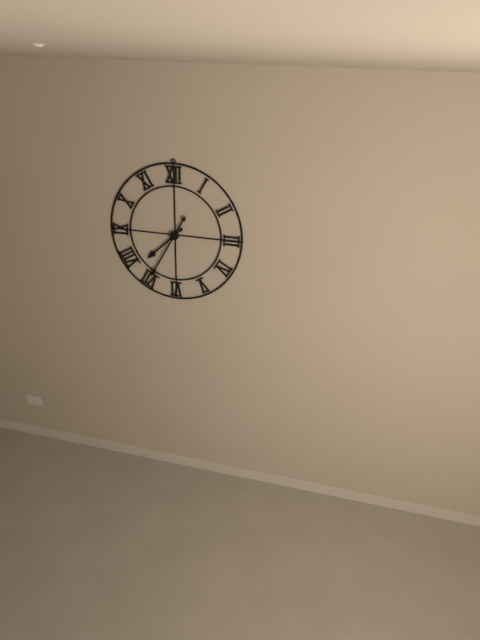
h=7 m=35
